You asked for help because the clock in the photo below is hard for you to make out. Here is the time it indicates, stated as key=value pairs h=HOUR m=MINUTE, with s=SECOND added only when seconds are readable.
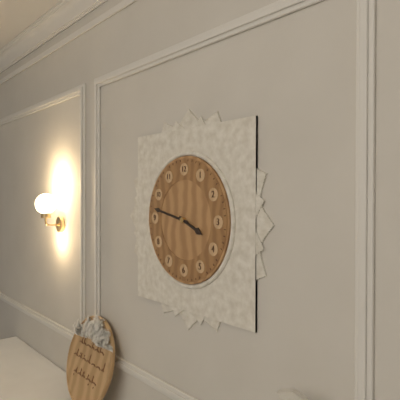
h=3 m=47
